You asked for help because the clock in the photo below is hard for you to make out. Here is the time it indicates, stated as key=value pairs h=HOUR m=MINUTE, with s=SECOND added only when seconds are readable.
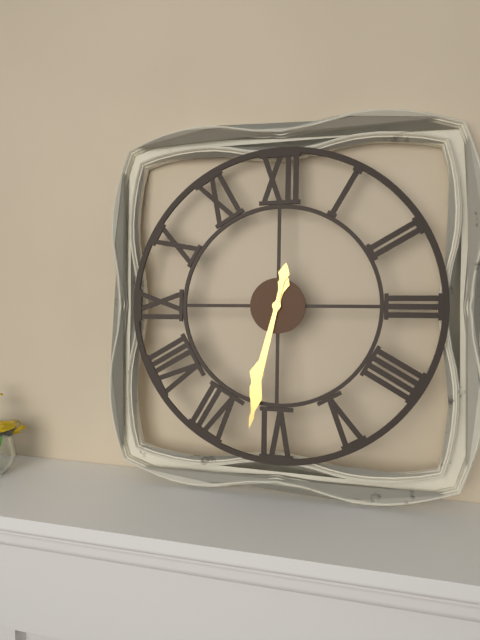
h=6 m=32
